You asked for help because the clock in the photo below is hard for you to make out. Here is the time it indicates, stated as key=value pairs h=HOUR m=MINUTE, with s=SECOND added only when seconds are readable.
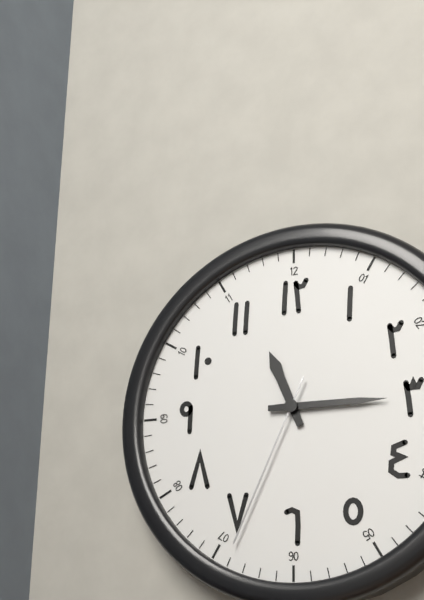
h=11 m=15 s=34
